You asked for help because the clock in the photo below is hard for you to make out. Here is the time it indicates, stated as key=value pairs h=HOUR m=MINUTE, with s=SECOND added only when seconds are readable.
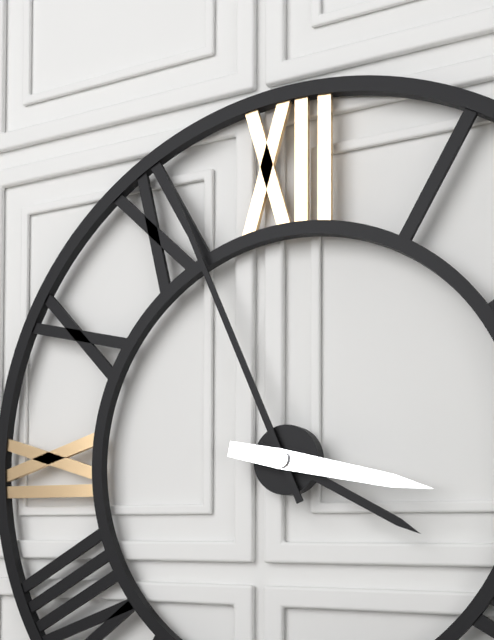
h=3 m=56 s=17
